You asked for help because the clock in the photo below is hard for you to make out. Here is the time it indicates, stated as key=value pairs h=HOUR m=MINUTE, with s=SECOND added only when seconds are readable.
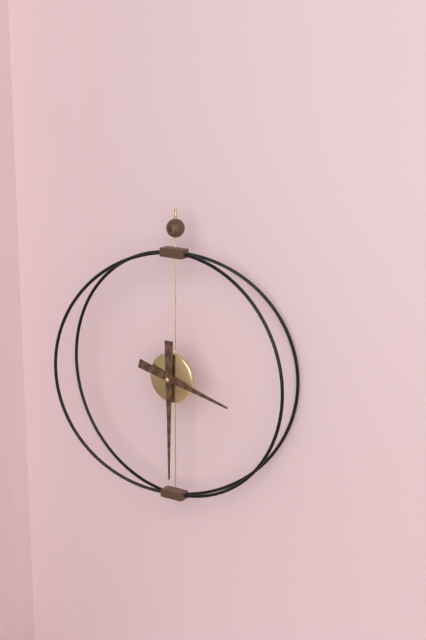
h=3 m=30
